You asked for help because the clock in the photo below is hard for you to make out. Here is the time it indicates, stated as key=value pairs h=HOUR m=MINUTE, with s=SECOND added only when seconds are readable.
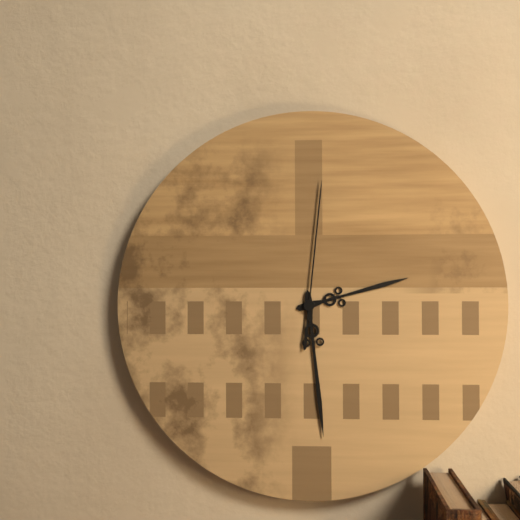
h=2 m=29 s=1
